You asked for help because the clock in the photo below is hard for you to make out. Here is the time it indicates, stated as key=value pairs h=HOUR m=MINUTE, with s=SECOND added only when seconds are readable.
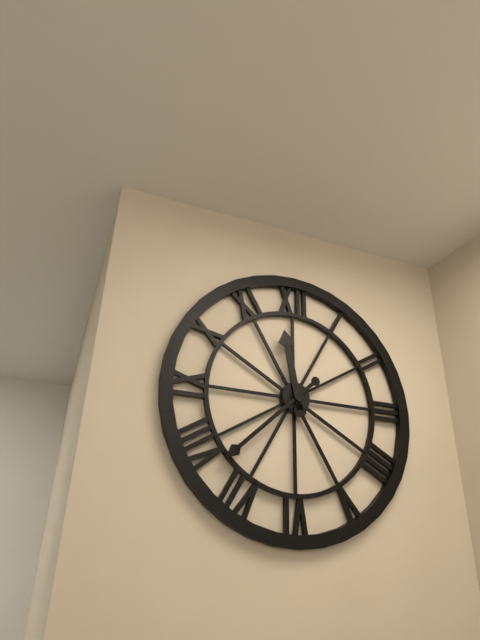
h=11 m=38
